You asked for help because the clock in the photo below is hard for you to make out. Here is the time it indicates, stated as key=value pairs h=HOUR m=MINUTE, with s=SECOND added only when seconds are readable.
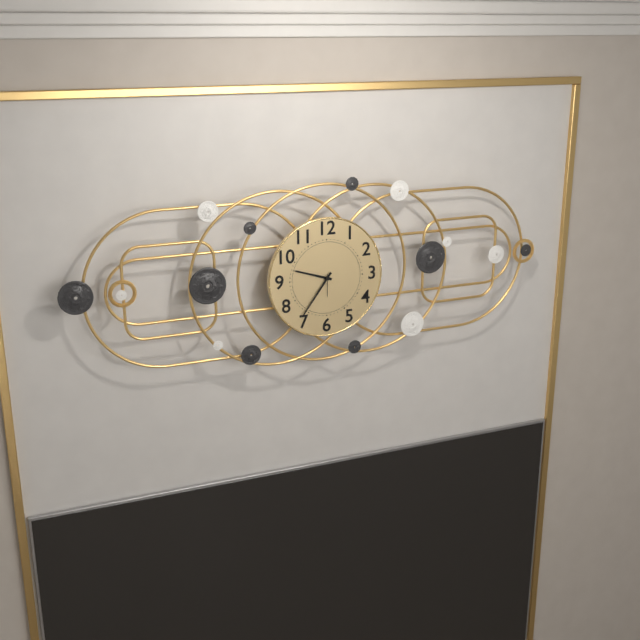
h=9 m=36
